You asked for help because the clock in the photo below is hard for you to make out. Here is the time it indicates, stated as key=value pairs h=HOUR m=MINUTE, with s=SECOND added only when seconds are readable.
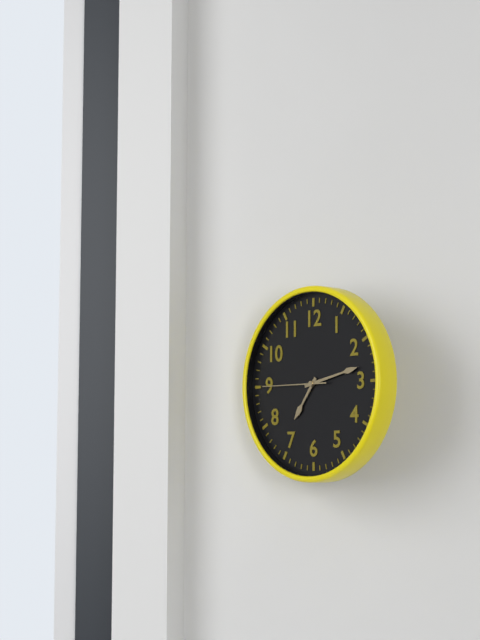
h=7 m=13 s=45
